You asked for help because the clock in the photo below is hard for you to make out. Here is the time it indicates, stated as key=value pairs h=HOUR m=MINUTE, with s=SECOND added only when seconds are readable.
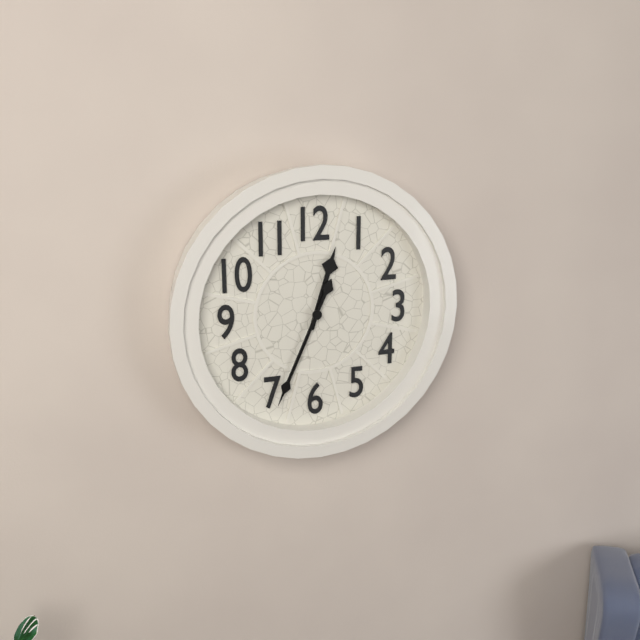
h=12 m=34
